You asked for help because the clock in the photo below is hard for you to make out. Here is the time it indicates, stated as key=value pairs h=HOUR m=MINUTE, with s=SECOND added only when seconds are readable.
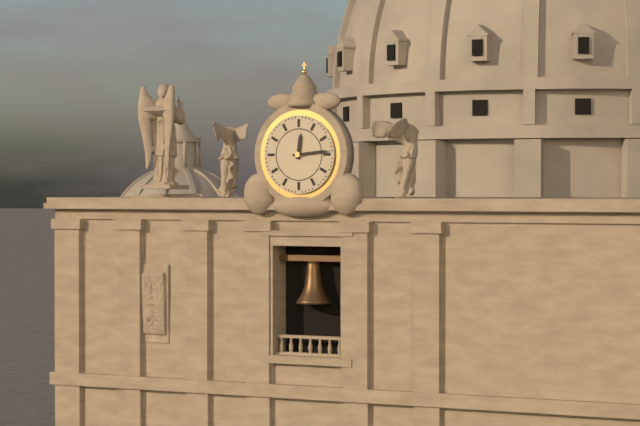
h=12 m=14
